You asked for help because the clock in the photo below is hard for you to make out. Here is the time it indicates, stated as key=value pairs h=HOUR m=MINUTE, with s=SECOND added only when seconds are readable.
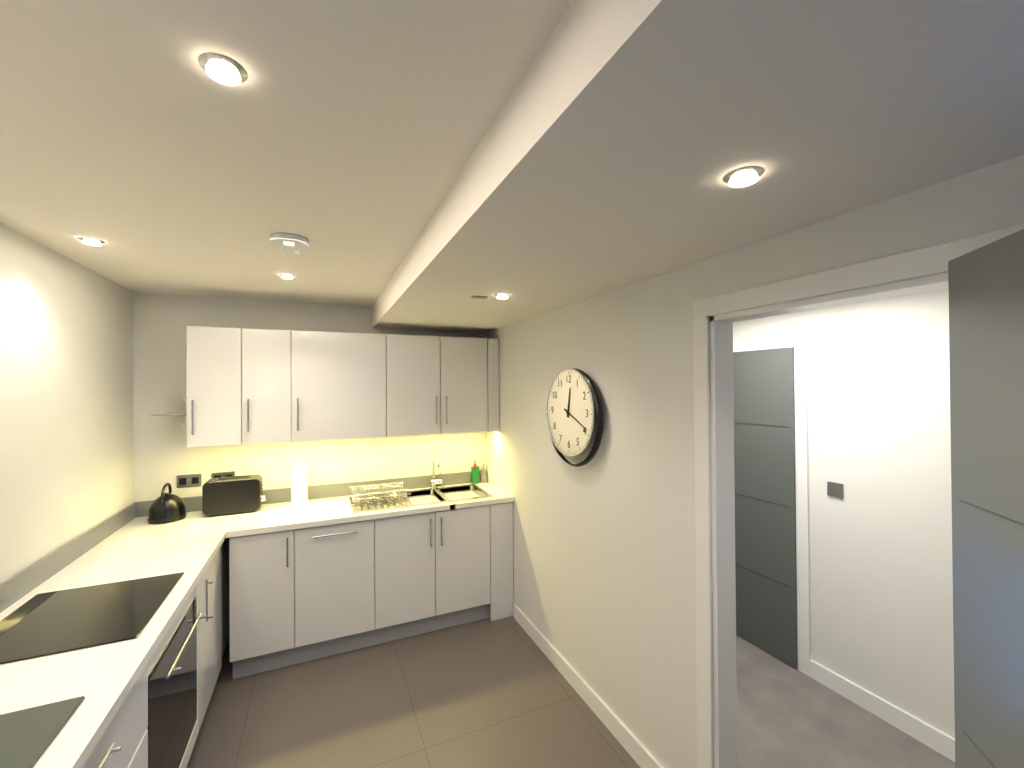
h=12 m=19
